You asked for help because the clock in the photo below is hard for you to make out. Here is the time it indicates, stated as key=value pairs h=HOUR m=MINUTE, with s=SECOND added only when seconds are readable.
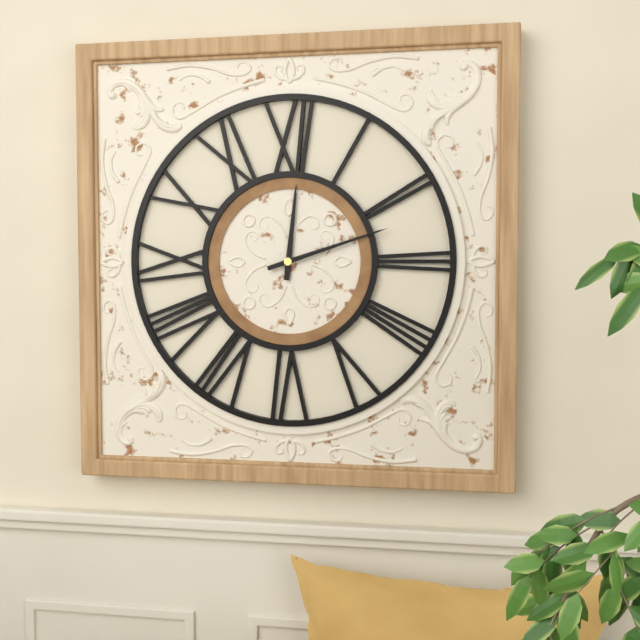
h=12 m=12
